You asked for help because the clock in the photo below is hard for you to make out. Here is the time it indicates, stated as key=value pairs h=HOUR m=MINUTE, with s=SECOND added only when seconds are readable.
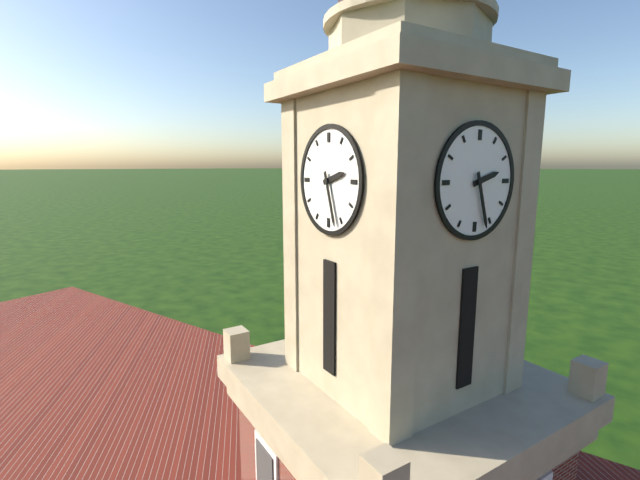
h=2 m=27
